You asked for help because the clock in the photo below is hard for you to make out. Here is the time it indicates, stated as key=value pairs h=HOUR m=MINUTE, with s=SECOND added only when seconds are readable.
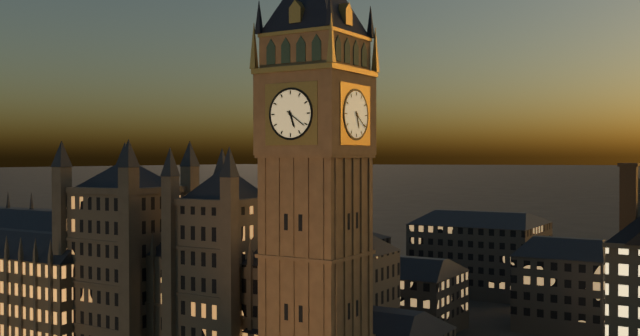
h=5 m=21
